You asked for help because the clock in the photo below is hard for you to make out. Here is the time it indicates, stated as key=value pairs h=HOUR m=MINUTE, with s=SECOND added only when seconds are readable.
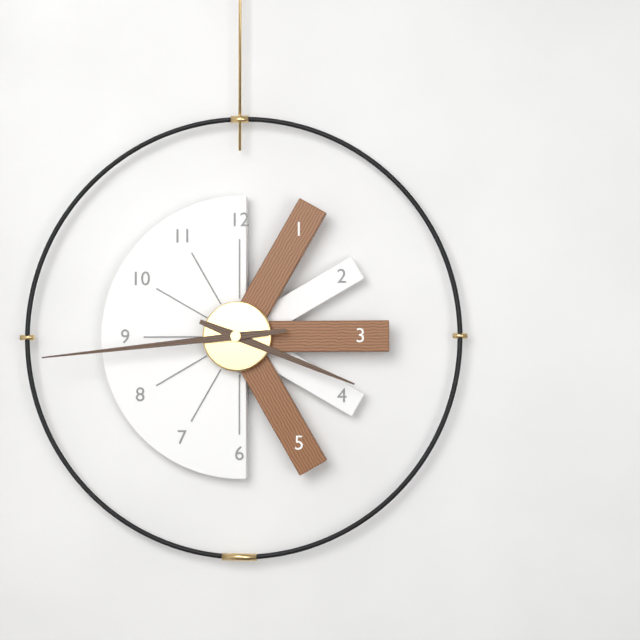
h=3 m=44
